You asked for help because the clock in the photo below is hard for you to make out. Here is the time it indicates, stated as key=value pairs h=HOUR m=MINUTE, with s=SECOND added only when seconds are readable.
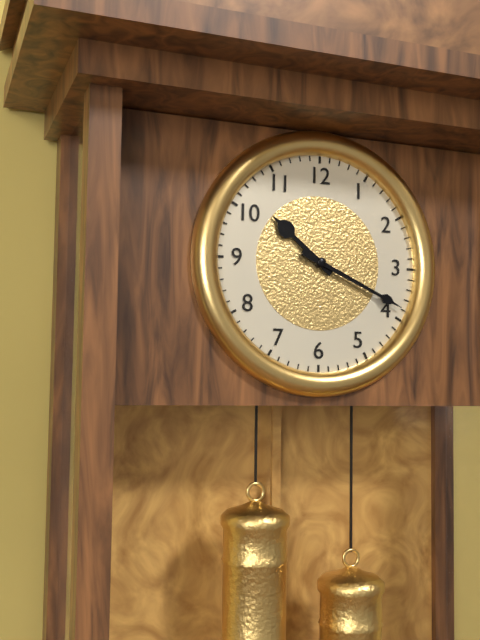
h=10 m=19
